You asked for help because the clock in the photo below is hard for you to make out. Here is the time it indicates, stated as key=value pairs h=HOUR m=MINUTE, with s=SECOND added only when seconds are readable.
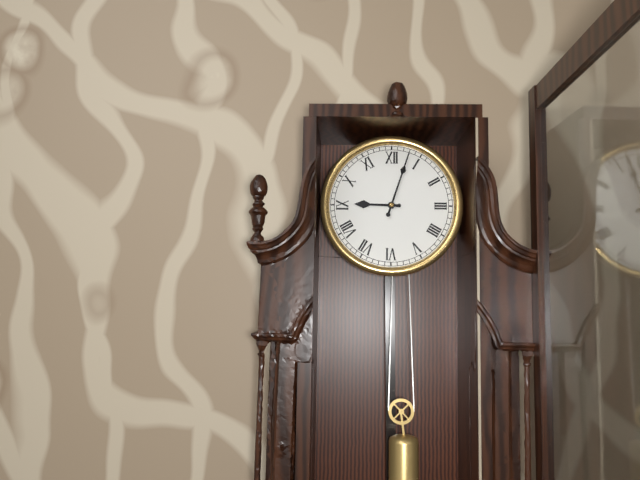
h=9 m=3
